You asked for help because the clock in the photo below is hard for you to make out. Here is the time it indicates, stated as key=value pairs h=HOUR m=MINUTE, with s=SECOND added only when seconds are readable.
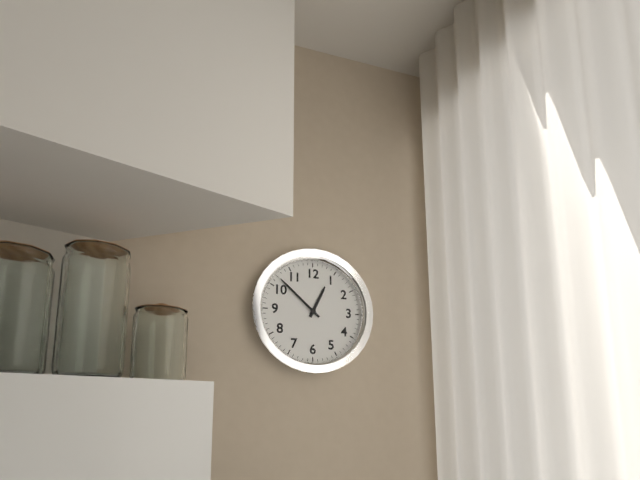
h=12 m=52
